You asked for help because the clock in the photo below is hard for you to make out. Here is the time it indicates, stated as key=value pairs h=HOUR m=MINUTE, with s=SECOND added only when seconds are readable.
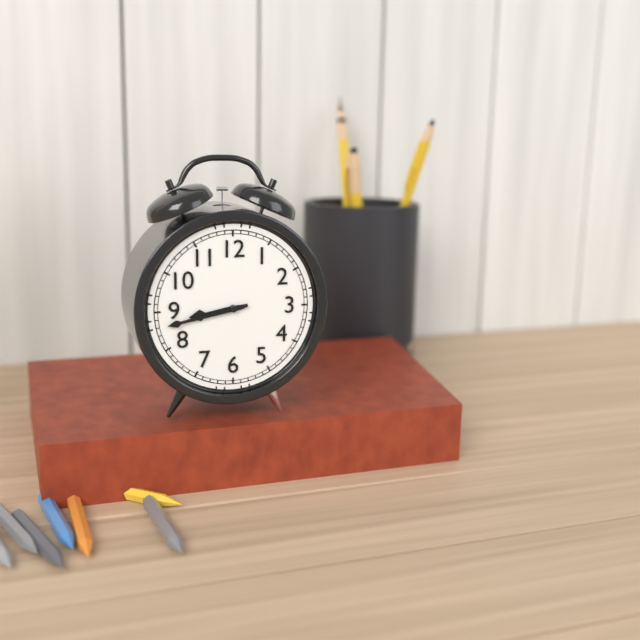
h=8 m=43
